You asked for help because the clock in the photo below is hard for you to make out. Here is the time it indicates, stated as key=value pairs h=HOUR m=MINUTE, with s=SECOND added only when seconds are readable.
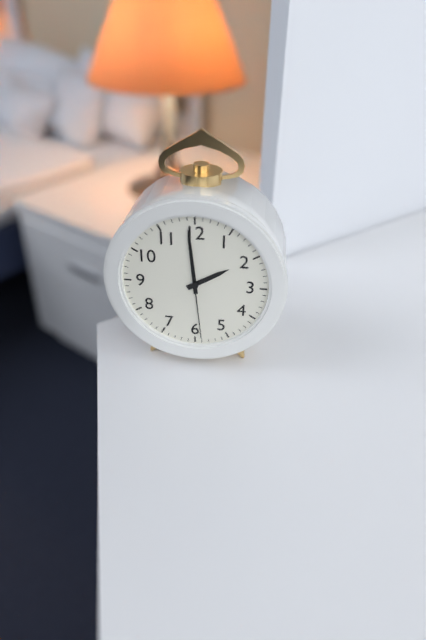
h=1 m=59 s=29
